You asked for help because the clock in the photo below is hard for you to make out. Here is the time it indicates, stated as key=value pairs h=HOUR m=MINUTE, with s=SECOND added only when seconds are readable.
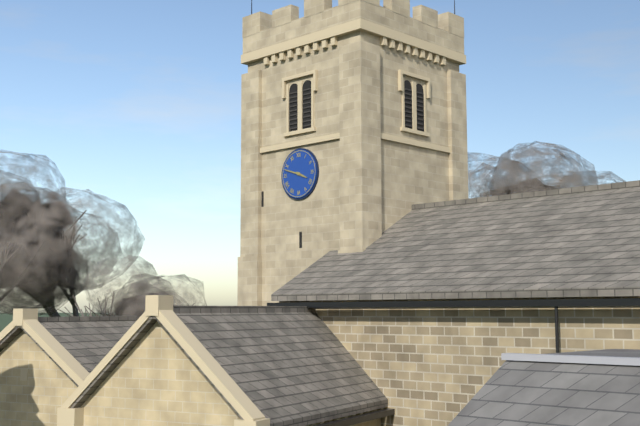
h=3 m=48
